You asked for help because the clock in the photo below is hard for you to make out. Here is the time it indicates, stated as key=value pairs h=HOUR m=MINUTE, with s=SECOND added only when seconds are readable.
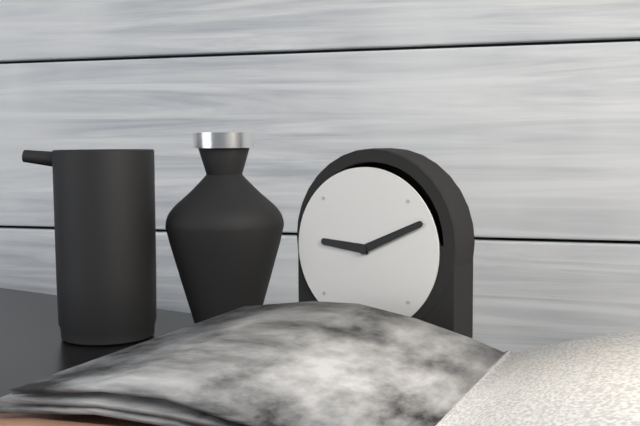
h=9 m=11
